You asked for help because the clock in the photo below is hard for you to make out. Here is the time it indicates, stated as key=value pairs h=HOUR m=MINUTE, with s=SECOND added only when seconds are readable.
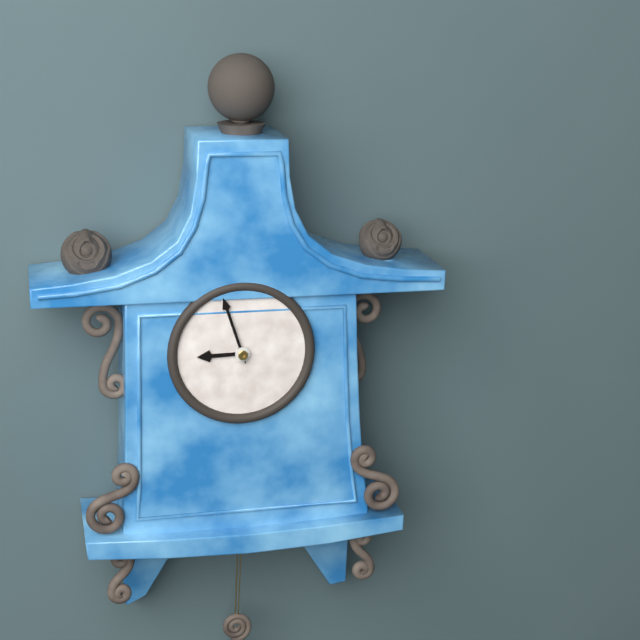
h=8 m=57
